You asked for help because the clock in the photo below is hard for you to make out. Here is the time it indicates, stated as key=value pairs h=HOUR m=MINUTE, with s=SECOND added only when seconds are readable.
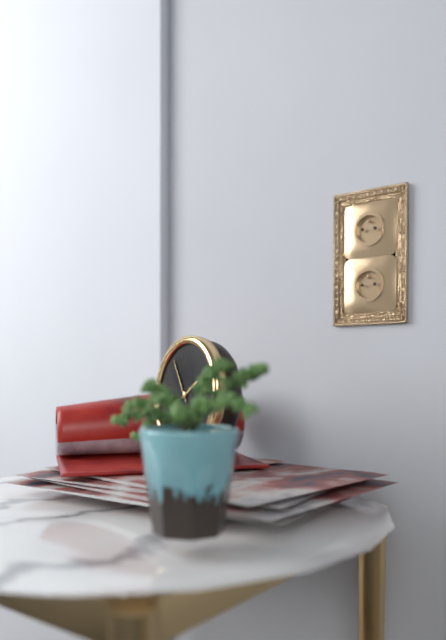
h=1 m=54
